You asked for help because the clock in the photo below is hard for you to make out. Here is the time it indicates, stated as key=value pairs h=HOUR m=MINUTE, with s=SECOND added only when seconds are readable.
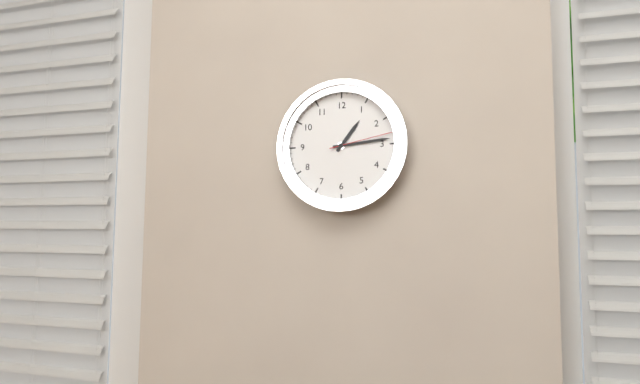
h=1 m=14 s=13
